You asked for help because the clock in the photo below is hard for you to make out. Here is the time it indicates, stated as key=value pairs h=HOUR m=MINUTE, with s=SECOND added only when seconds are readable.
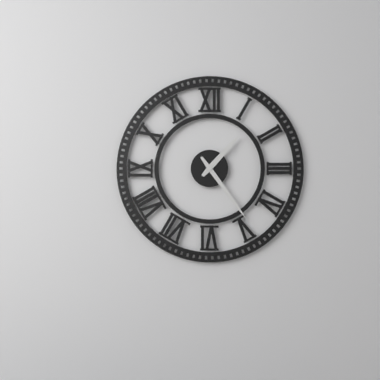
h=1 m=24
